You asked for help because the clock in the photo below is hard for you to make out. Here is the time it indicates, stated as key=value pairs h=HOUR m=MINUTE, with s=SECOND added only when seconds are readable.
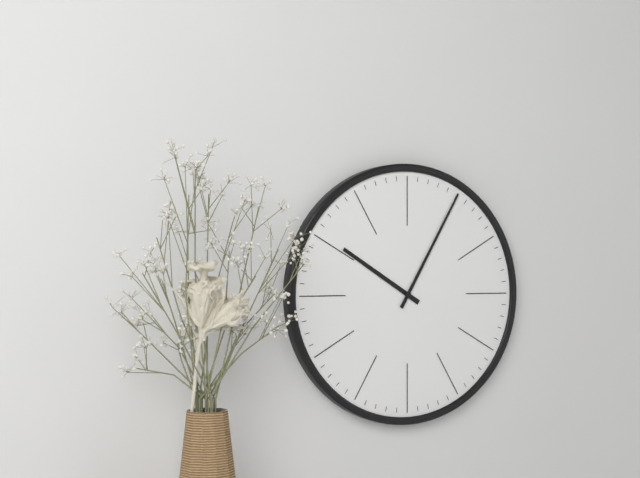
h=10 m=5
